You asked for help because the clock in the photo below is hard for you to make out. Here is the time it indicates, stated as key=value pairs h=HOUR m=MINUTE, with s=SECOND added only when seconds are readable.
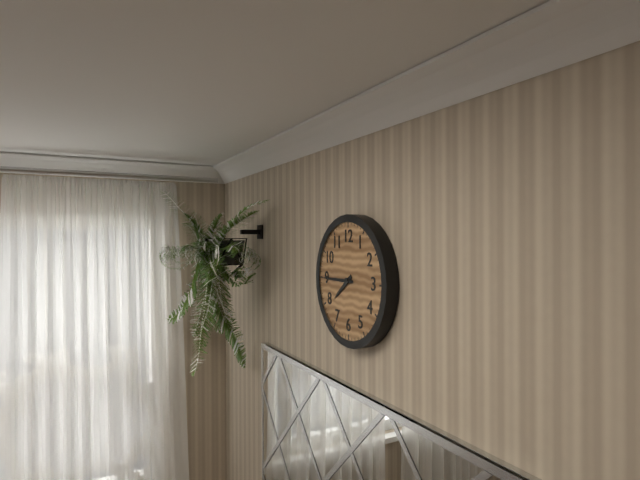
h=7 m=45
